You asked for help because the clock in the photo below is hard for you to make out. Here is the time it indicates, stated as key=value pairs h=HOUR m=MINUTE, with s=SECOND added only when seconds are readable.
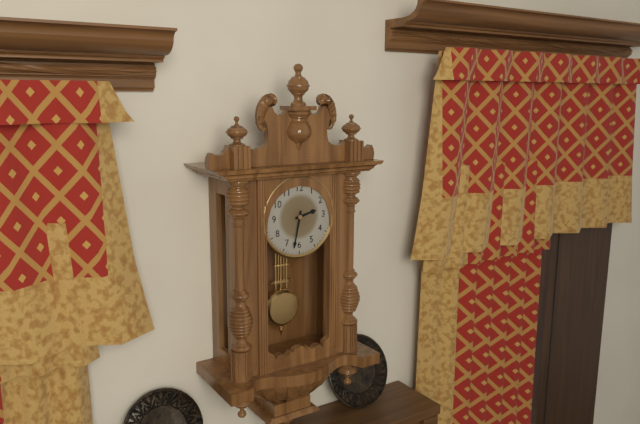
h=2 m=32
